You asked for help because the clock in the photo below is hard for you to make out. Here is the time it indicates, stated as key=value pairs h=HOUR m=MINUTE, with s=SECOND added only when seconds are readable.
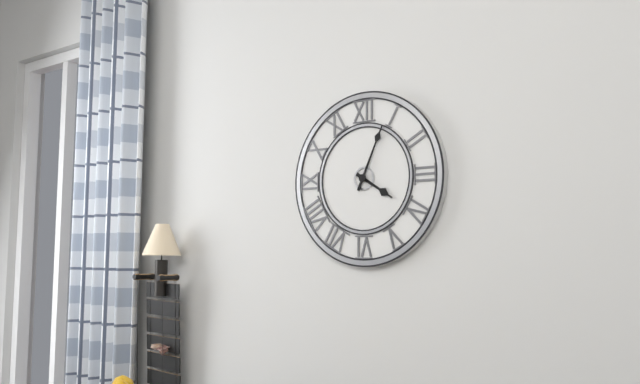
h=4 m=4
